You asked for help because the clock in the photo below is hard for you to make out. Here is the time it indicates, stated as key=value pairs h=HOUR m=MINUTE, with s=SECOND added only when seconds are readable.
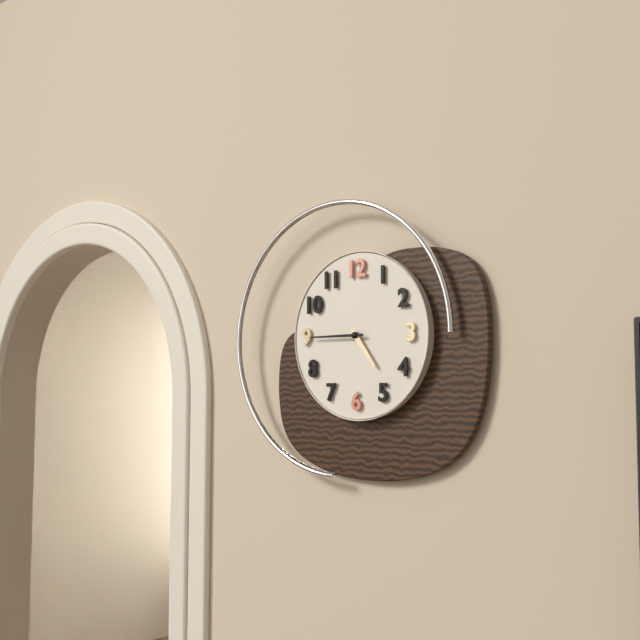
h=4 m=45
